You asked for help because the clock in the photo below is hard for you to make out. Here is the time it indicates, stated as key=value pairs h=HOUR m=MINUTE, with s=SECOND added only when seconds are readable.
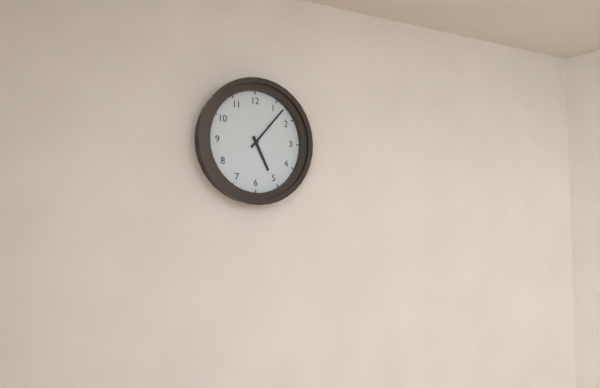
h=5 m=7
